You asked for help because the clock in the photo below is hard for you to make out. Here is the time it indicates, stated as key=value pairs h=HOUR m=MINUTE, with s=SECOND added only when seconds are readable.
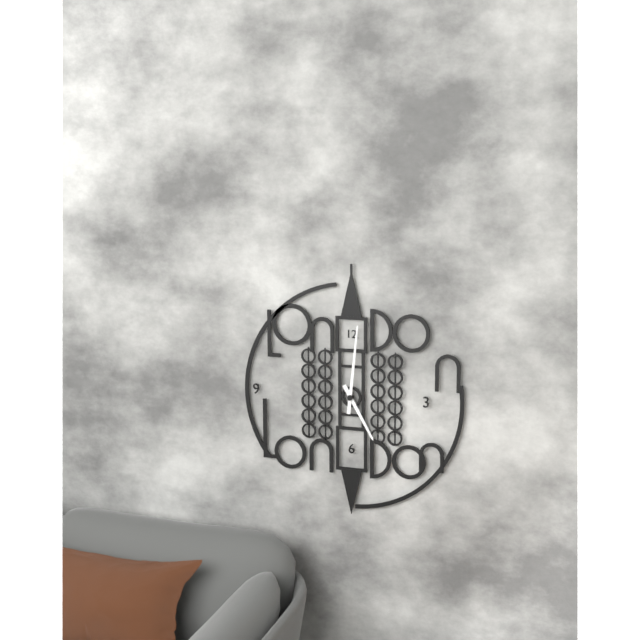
h=5 m=1
